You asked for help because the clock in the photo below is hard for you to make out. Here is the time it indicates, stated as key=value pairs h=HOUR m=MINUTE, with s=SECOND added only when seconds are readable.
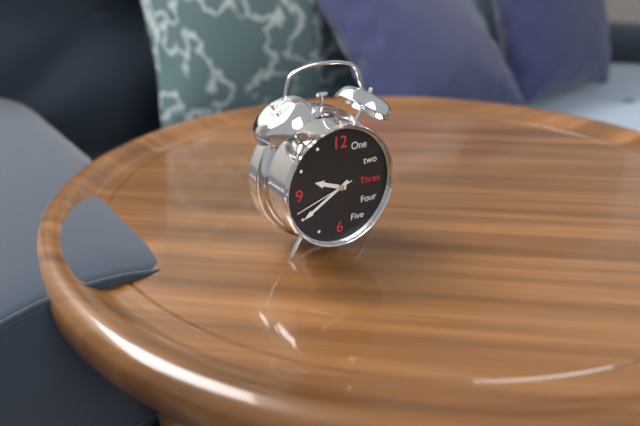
h=9 m=40 s=42
